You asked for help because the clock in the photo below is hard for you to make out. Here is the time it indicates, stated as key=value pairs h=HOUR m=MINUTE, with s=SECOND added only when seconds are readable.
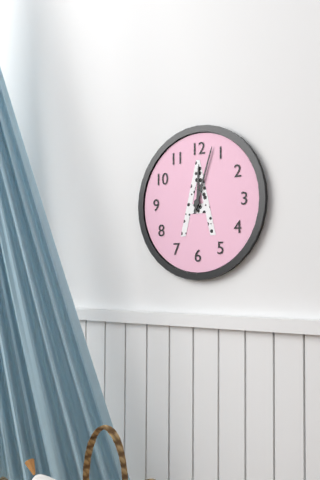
h=12 m=3
